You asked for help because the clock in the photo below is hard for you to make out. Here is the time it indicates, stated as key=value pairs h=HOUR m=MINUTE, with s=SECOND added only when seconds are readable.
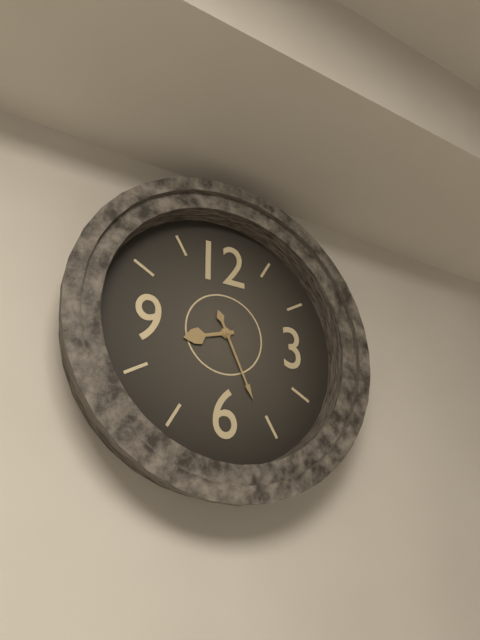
h=8 m=26
